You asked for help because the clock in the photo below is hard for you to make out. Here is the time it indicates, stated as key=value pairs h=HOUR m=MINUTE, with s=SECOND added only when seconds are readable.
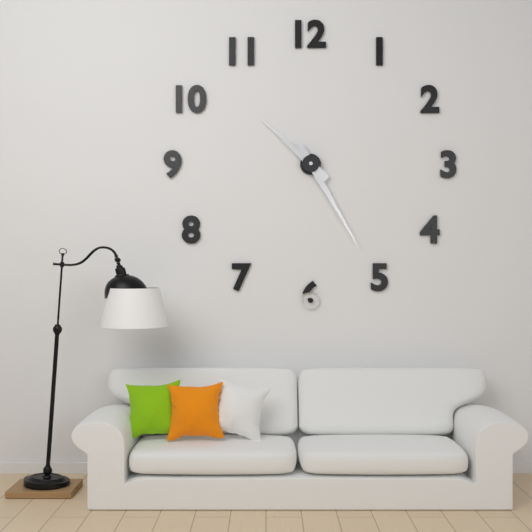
h=10 m=25
